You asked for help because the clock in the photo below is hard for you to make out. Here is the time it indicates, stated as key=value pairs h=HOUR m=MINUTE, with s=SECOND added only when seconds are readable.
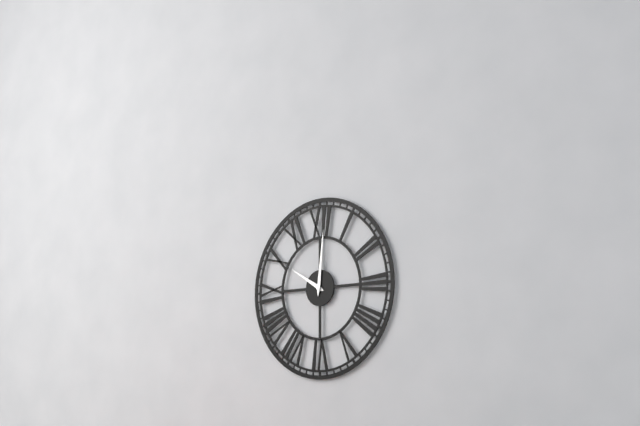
h=10 m=1
